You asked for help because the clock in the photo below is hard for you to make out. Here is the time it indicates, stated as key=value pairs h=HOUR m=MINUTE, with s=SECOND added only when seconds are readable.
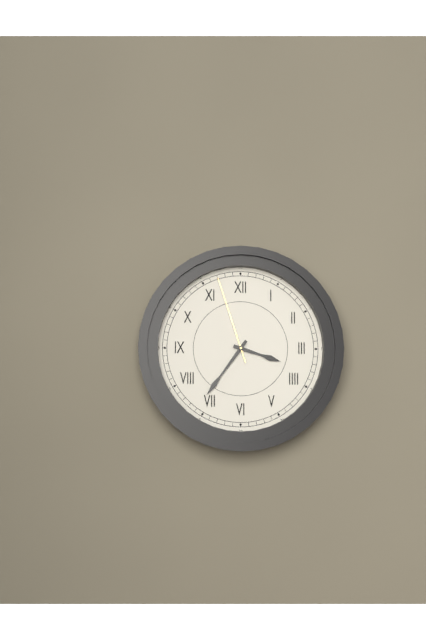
h=3 m=36 s=57
